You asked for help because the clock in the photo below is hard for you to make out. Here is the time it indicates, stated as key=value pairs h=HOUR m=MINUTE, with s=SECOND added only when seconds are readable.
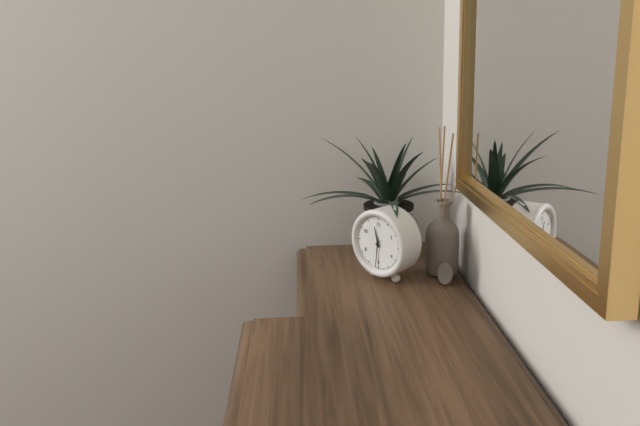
h=11 m=31
